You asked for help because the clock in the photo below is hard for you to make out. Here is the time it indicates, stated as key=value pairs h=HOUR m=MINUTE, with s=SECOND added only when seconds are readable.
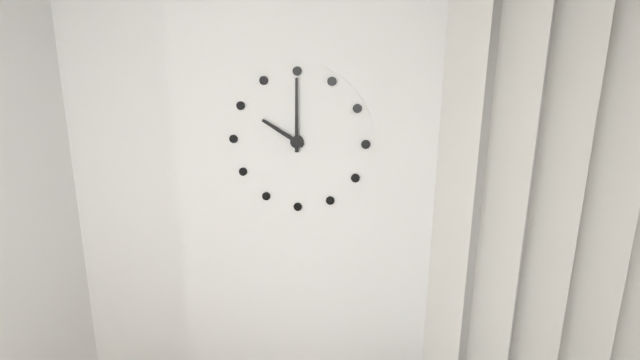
h=10 m=0
